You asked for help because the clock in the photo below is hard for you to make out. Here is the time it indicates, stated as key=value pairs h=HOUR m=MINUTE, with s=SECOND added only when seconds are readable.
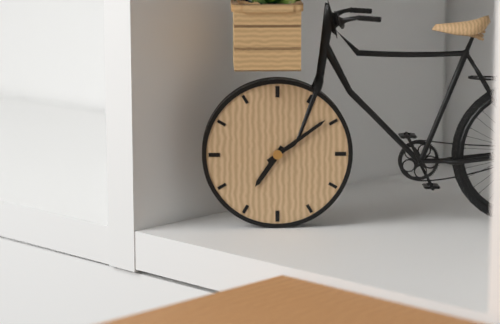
h=7 m=9
